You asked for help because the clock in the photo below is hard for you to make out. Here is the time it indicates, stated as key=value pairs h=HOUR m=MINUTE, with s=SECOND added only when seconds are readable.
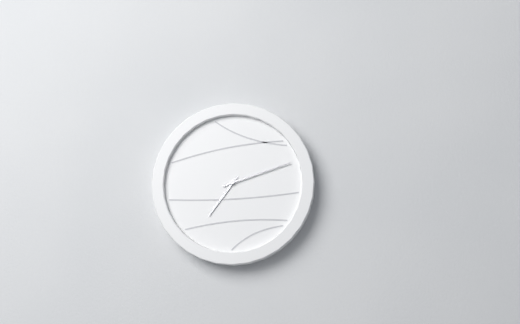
h=7 m=12
